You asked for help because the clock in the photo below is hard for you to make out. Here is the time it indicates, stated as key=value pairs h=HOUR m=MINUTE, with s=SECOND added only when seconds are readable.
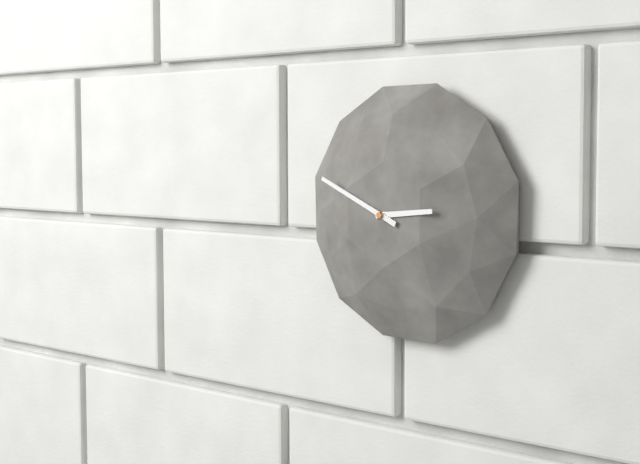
h=2 m=49
